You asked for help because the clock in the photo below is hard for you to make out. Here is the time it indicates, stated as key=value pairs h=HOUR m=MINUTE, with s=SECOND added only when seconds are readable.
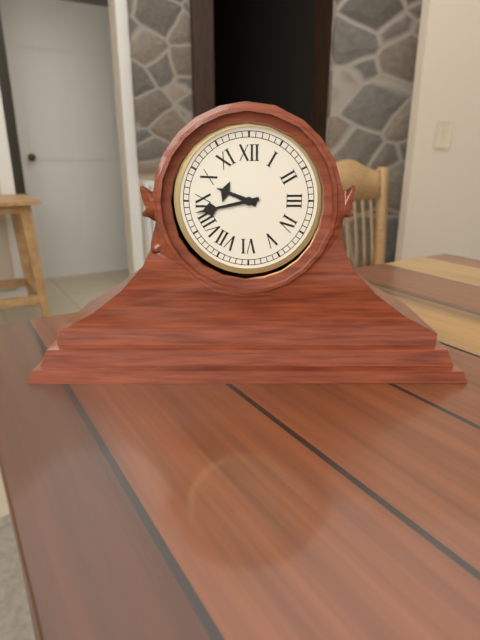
h=9 m=43
